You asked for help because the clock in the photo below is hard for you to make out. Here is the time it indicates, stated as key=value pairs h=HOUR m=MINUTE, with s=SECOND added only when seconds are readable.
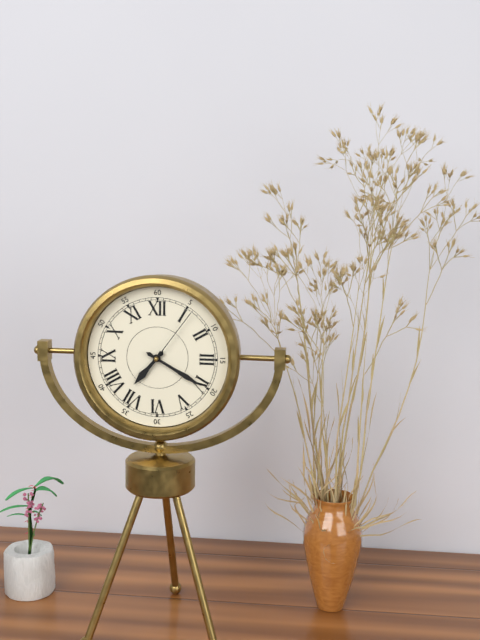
h=7 m=20 s=6
